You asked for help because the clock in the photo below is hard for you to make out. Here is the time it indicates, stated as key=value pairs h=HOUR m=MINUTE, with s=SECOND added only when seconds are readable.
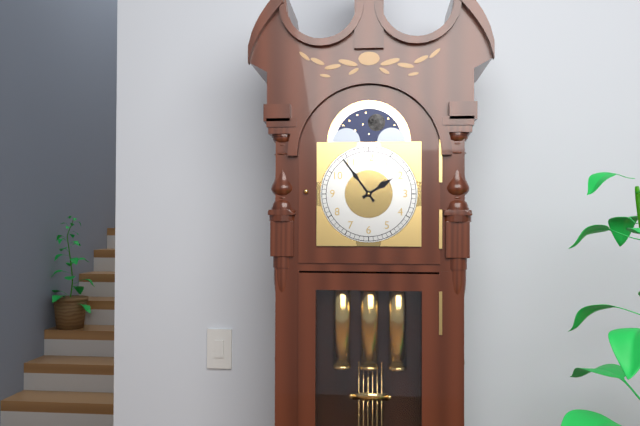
h=1 m=54
